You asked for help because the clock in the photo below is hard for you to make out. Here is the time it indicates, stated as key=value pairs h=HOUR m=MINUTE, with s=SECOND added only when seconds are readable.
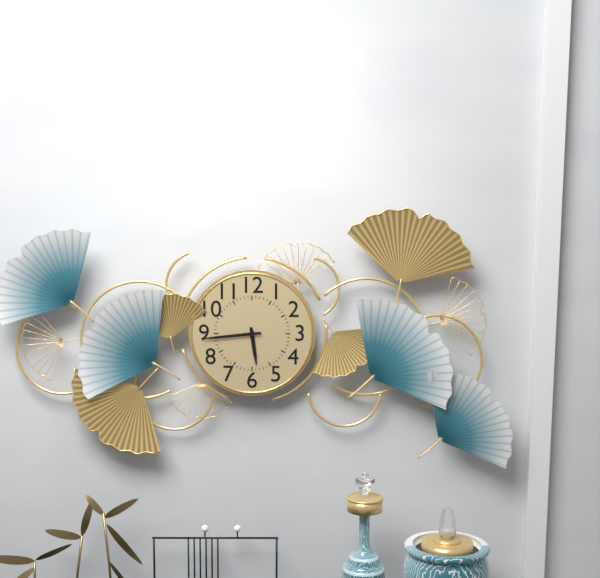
h=5 m=44
